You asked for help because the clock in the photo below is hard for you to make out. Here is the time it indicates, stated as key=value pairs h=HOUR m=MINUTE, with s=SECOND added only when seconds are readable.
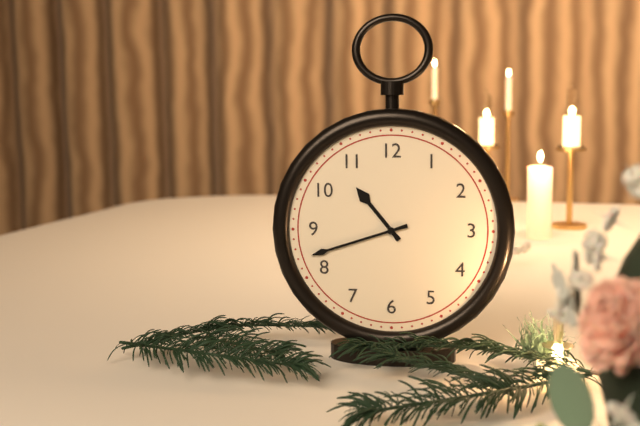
h=10 m=42
